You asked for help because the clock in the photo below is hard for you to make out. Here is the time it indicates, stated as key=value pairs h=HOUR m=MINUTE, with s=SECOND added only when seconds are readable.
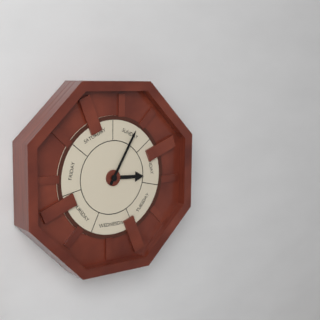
h=3 m=5
